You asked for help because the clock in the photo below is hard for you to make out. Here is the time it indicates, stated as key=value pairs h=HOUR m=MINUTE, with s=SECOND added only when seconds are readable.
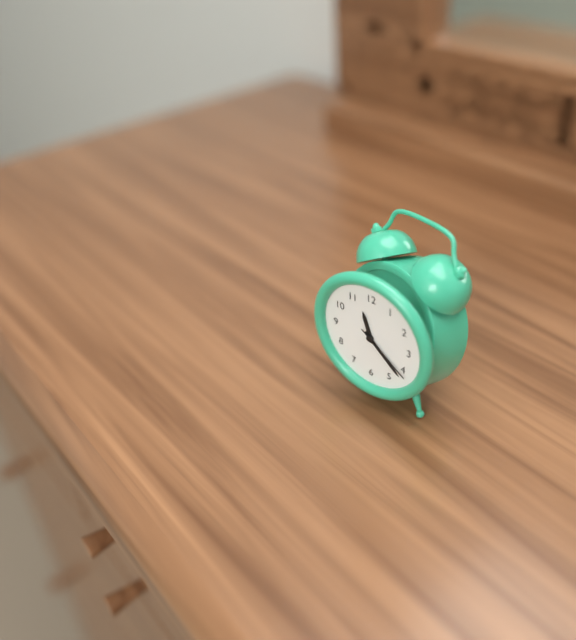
h=11 m=22 s=21
